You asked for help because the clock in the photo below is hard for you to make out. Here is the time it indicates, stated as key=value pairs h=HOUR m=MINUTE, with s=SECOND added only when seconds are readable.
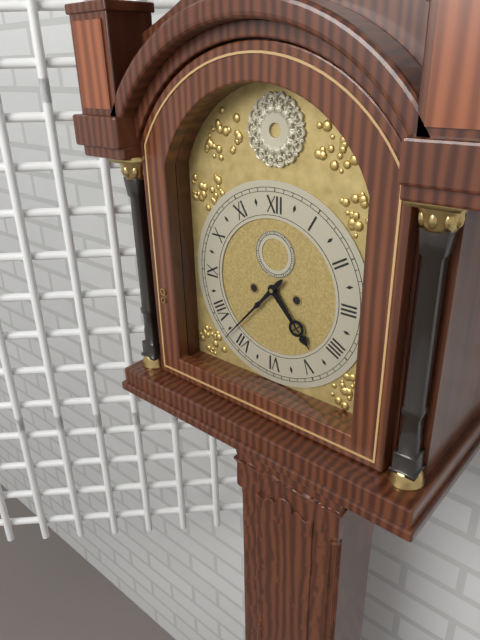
h=4 m=37
